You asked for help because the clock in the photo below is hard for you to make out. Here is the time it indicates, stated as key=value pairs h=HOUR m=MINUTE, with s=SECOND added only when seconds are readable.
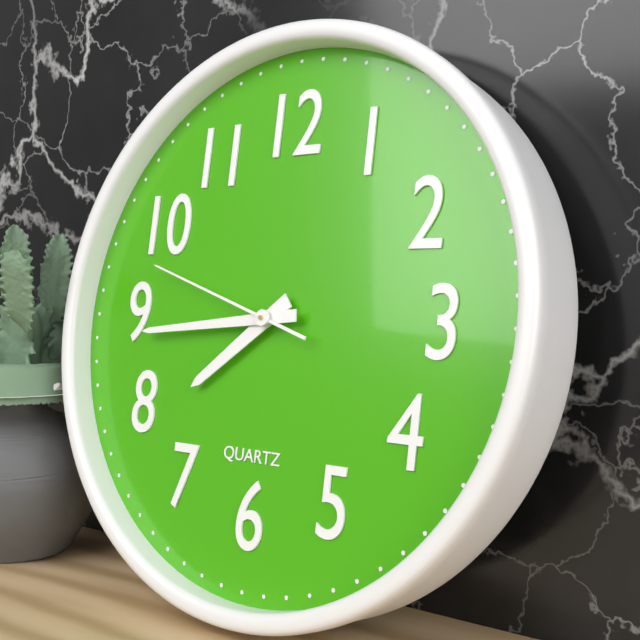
h=7 m=44 s=48
